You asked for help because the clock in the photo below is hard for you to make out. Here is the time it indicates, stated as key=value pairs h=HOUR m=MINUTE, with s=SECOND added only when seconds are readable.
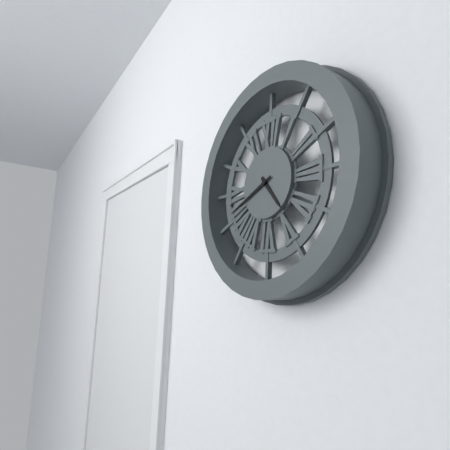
h=4 m=41
